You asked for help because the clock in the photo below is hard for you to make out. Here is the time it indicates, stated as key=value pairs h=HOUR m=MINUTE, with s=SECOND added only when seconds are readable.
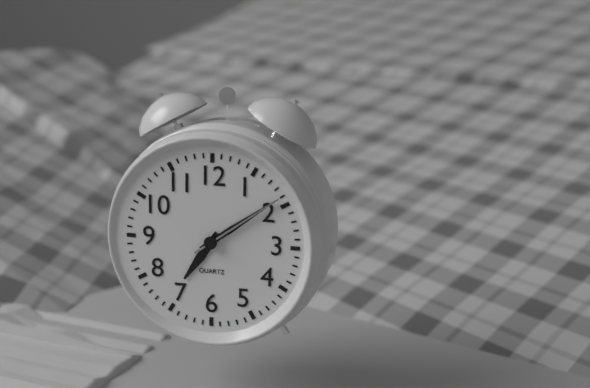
h=7 m=9 s=9
